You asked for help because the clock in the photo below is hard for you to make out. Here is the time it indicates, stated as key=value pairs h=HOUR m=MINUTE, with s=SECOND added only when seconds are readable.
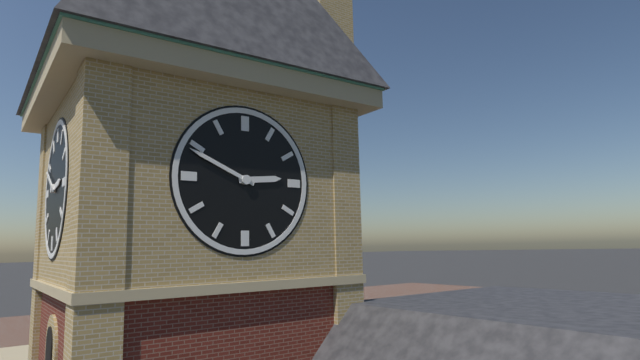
h=2 m=49
